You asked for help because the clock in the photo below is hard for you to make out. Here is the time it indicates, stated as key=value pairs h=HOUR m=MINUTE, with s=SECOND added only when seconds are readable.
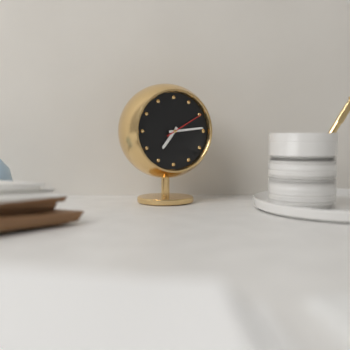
h=7 m=14
